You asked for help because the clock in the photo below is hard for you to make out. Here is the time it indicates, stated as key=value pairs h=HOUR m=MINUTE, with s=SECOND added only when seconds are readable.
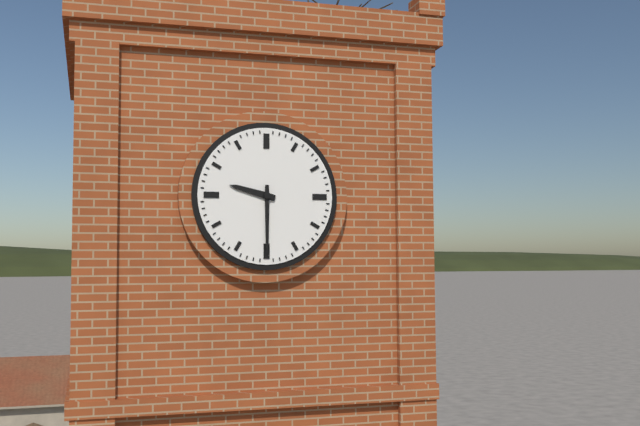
h=9 m=30
